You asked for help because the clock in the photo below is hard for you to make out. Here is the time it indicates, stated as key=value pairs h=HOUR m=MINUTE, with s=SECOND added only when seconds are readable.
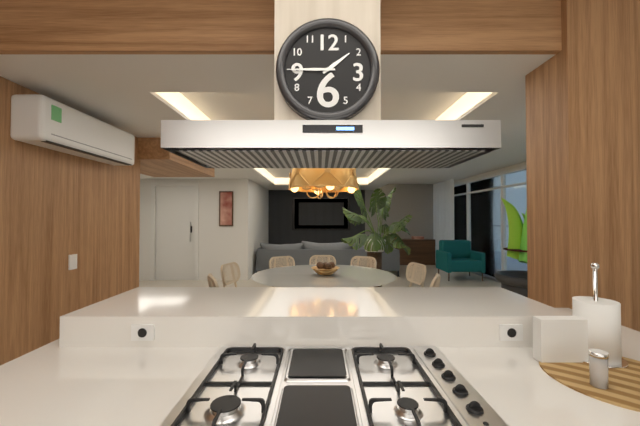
h=1 m=45
